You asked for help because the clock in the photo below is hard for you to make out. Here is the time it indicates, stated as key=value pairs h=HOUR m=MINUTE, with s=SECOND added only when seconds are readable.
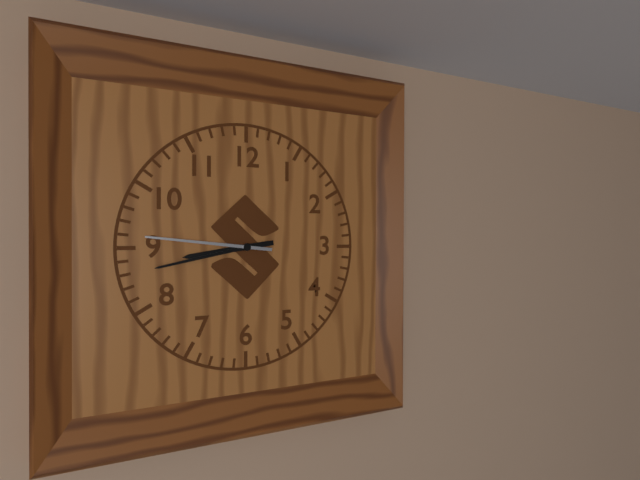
h=8 m=43 s=46
